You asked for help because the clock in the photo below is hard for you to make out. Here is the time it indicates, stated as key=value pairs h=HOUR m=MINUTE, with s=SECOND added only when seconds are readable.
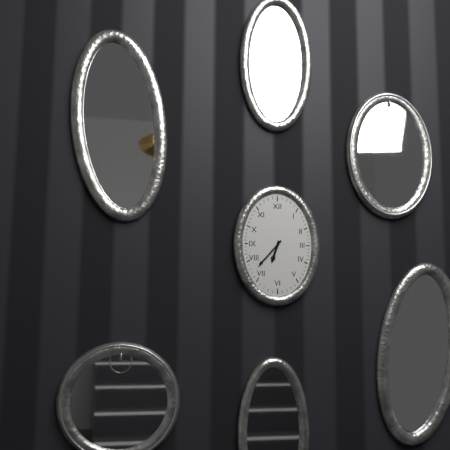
h=6 m=37
